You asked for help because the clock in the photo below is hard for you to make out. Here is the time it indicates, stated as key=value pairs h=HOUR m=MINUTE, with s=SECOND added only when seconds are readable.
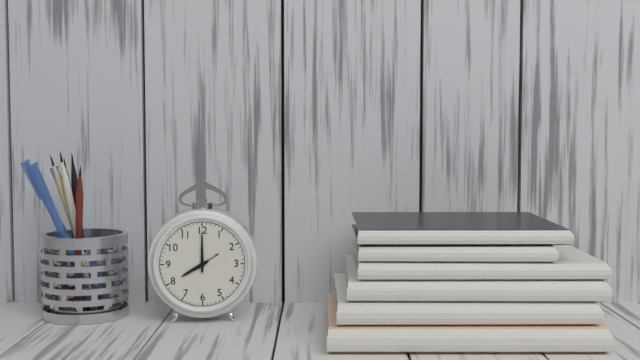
h=8 m=0
